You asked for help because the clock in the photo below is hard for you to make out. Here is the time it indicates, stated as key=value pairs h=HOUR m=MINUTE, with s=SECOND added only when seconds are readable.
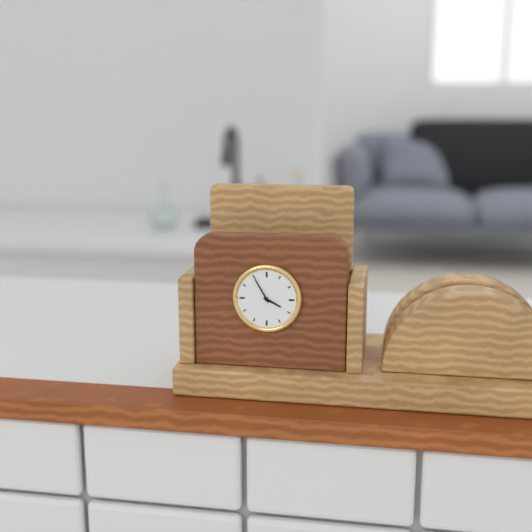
h=3 m=55
